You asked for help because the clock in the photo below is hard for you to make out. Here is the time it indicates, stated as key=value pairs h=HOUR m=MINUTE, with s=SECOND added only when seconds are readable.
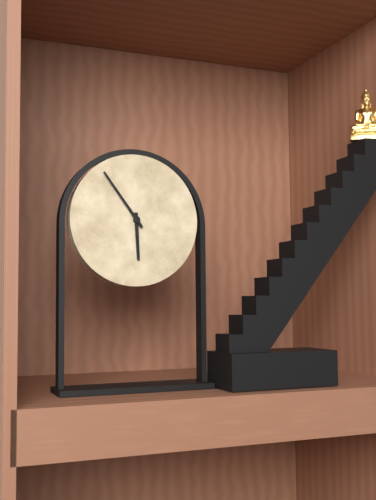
h=5 m=54
